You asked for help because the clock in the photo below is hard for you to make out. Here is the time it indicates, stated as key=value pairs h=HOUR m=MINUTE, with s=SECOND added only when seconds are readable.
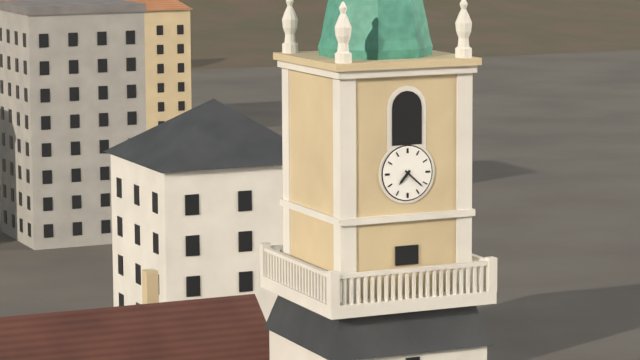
h=7 m=22
